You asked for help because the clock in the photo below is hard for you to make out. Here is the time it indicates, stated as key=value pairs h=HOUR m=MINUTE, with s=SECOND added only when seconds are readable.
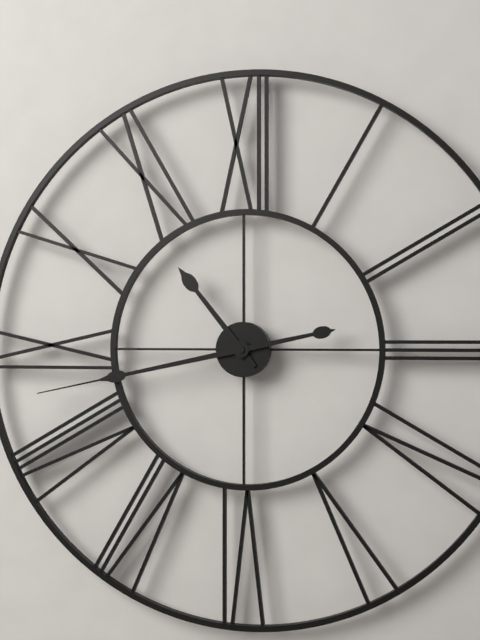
h=10 m=43
